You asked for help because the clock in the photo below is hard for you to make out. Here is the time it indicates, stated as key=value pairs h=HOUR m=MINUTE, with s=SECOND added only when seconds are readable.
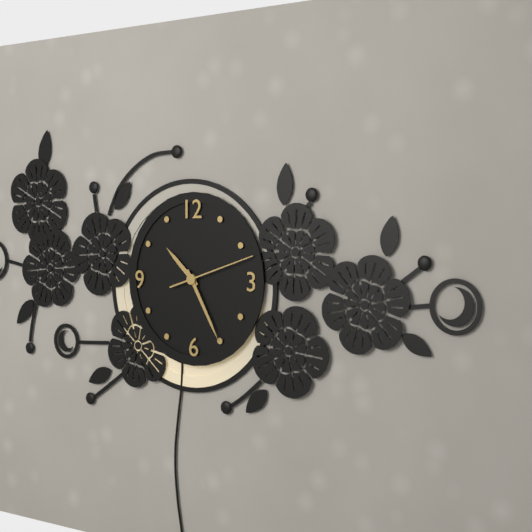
h=10 m=25 s=12
